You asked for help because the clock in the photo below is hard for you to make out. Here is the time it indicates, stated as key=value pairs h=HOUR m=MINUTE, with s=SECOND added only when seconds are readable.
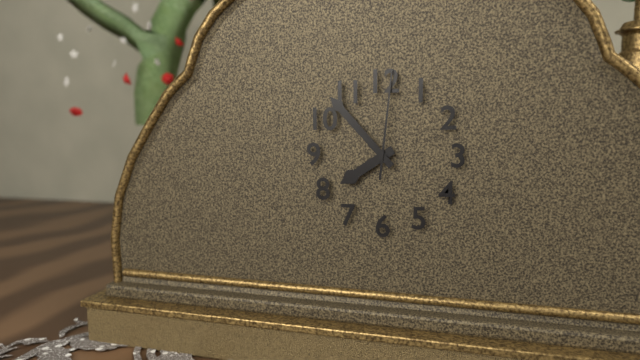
h=7 m=53 s=1
